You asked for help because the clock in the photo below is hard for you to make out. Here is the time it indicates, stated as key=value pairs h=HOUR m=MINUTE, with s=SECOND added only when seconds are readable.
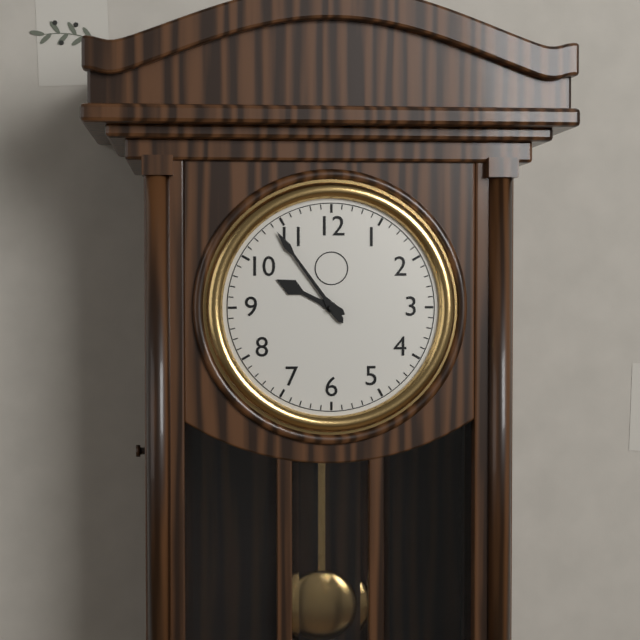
h=9 m=54
